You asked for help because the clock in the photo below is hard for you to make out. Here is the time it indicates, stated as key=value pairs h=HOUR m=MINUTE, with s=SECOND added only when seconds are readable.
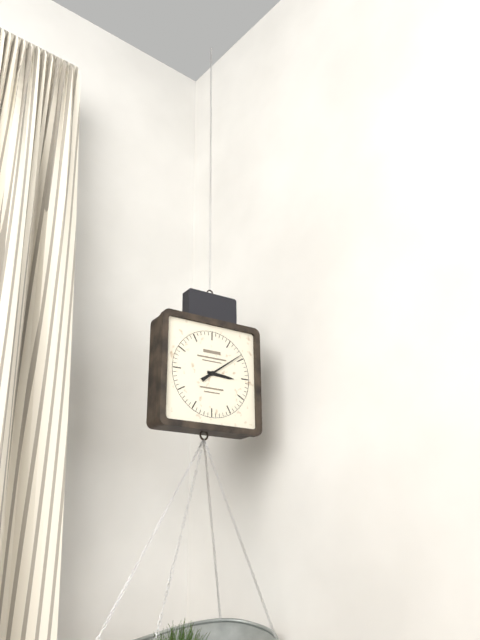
h=3 m=9
